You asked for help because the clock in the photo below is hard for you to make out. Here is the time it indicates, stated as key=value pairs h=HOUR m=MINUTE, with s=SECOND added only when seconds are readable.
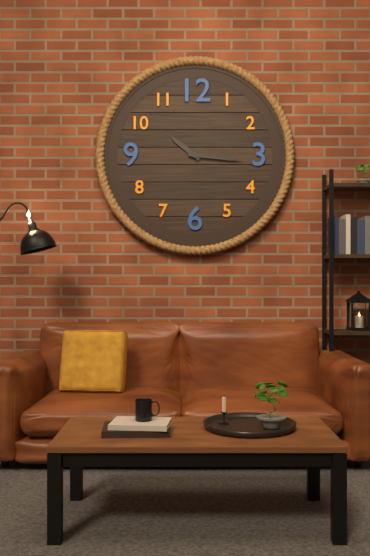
h=10 m=16
